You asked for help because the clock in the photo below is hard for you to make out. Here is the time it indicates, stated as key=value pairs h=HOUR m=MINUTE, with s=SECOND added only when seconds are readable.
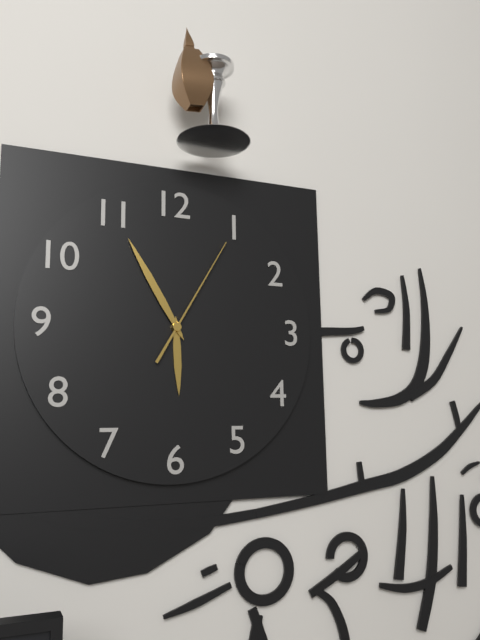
h=5 m=55 s=5
